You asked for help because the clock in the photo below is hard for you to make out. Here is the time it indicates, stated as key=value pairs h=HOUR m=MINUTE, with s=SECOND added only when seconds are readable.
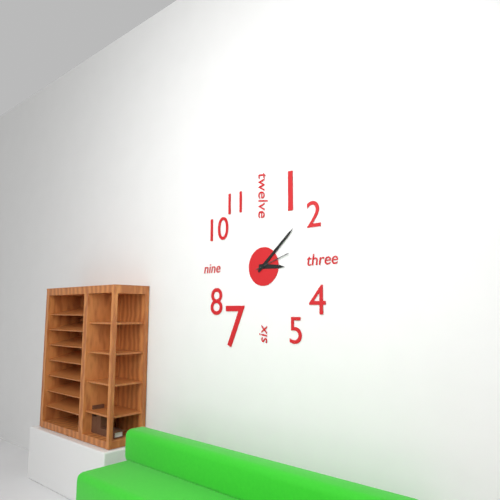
h=3 m=8
